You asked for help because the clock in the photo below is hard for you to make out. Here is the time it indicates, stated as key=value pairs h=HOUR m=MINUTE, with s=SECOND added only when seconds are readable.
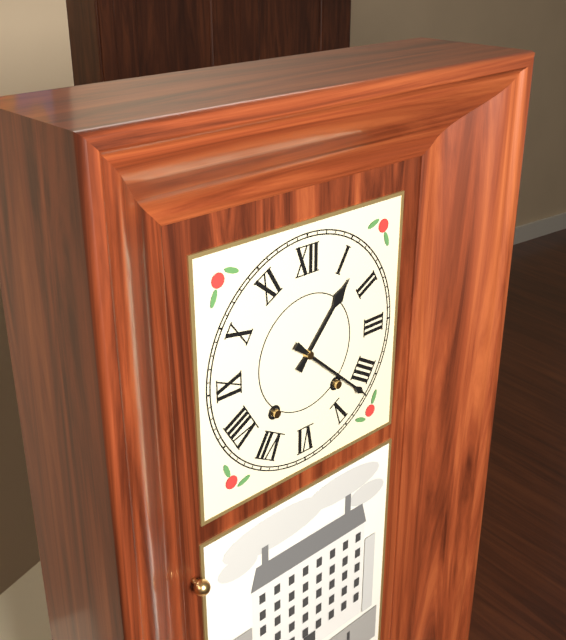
h=1 m=22
